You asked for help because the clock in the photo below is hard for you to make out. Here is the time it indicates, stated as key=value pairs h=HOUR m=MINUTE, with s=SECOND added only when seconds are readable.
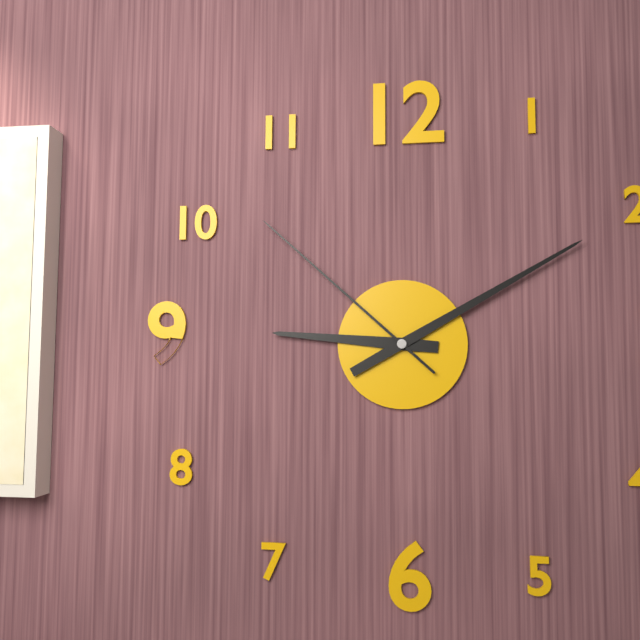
h=9 m=10 s=52
